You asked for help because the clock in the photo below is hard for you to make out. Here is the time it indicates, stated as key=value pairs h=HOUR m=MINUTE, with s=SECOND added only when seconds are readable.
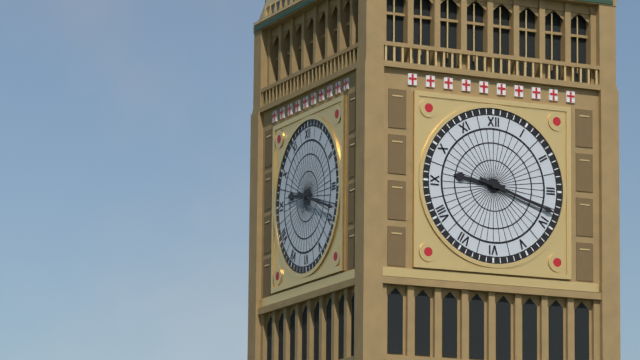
h=9 m=18
